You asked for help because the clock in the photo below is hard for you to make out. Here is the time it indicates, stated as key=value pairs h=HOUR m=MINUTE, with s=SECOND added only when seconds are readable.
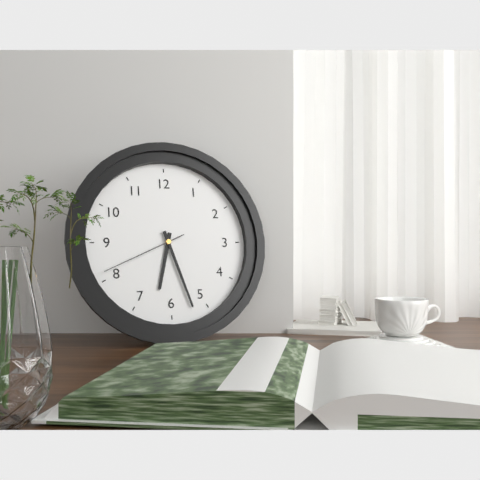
h=6 m=27 s=41
